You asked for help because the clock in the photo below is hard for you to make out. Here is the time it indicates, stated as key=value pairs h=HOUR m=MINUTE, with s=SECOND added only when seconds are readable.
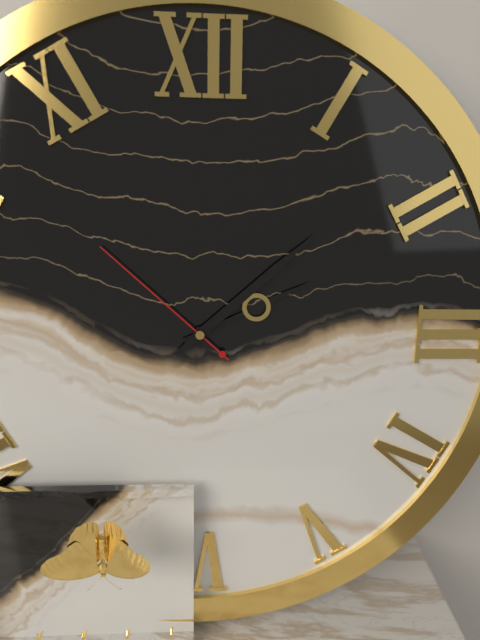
h=2 m=8 s=52
